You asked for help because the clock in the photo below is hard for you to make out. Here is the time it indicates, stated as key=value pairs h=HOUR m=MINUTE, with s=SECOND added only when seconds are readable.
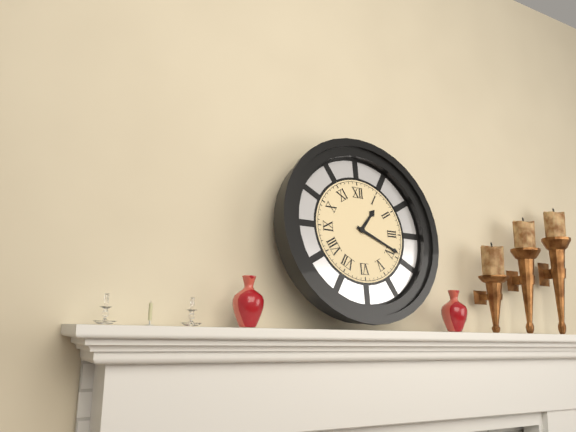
h=1 m=19
